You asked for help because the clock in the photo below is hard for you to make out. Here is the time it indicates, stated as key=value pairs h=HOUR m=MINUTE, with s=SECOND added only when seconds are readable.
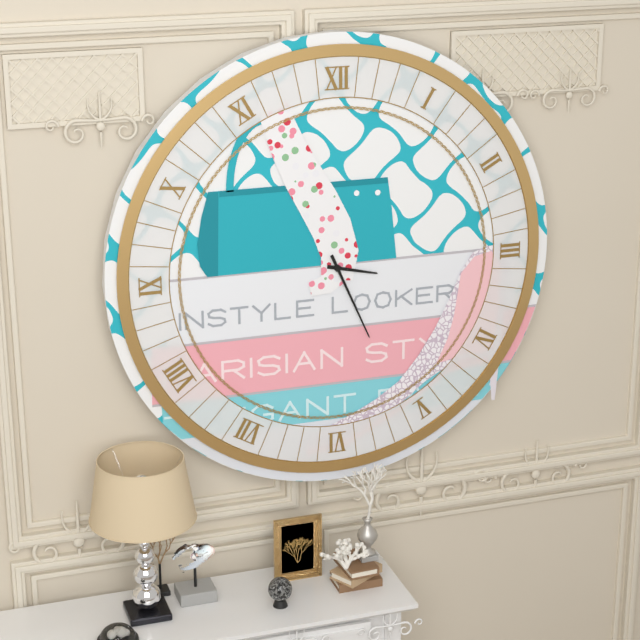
h=3 m=26
